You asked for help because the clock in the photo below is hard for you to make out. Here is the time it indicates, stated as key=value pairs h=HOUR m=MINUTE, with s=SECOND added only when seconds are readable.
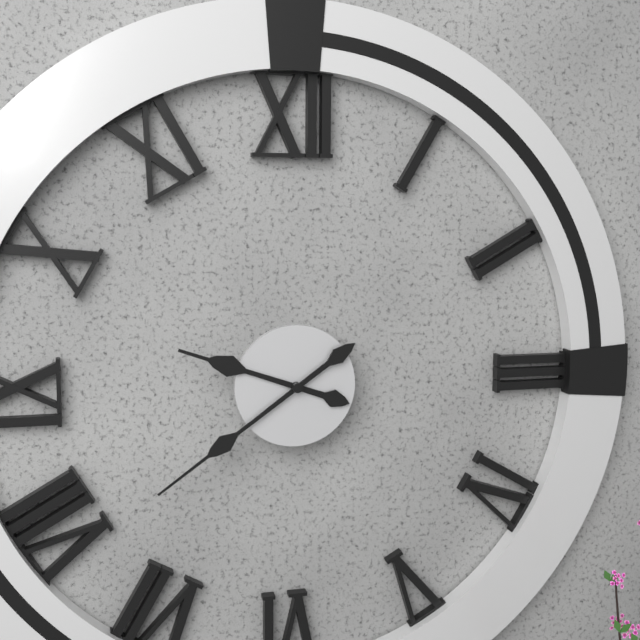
h=9 m=39
